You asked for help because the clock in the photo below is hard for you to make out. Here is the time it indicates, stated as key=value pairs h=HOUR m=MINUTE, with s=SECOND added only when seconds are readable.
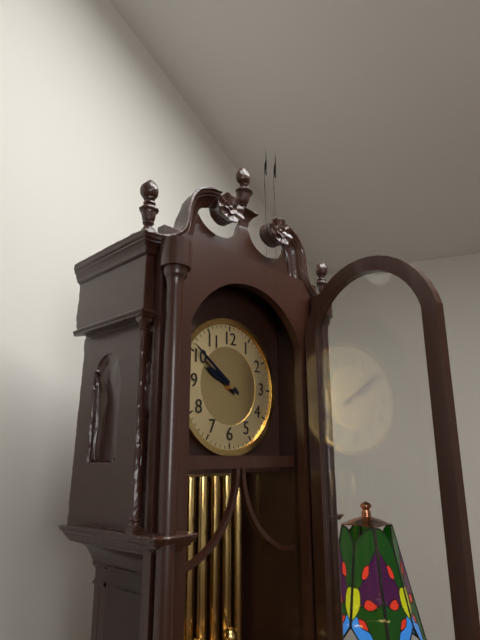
h=9 m=51
